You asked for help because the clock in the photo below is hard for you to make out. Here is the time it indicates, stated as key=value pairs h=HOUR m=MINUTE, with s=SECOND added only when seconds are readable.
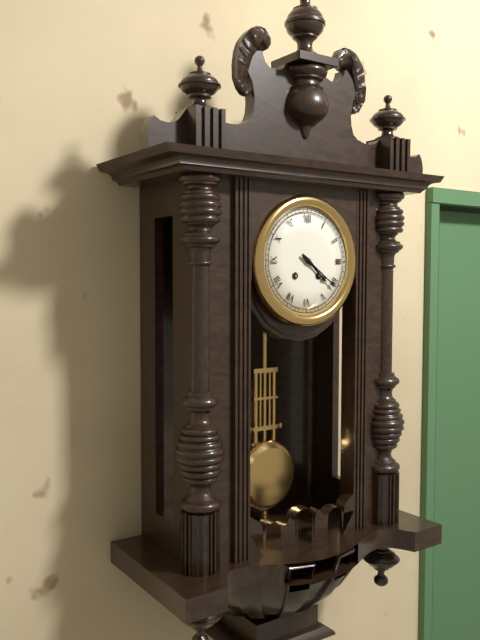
h=4 m=21
